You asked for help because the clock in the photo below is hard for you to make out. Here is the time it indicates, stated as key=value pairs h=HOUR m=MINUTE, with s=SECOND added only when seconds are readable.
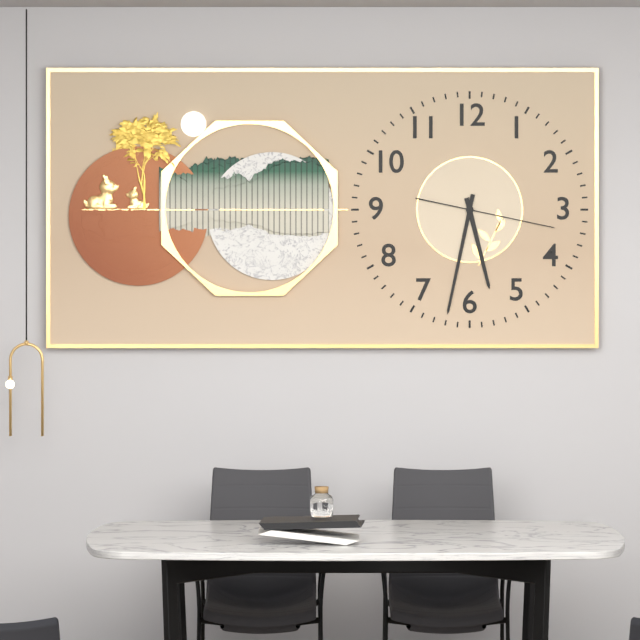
h=5 m=32 s=17
